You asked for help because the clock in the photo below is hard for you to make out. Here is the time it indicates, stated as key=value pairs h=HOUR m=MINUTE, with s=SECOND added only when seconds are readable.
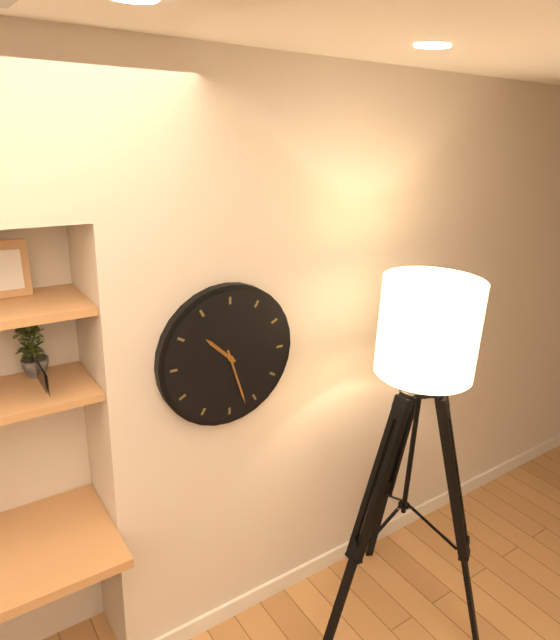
h=10 m=27
